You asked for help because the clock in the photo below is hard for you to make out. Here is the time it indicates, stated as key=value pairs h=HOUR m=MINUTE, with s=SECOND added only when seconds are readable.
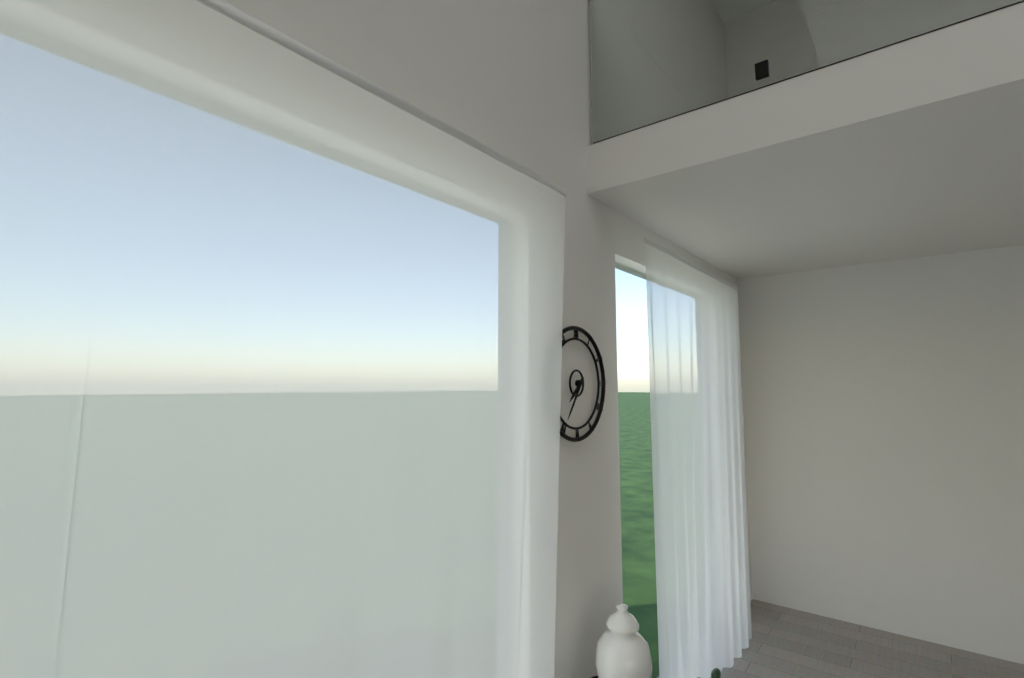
h=7 m=36
